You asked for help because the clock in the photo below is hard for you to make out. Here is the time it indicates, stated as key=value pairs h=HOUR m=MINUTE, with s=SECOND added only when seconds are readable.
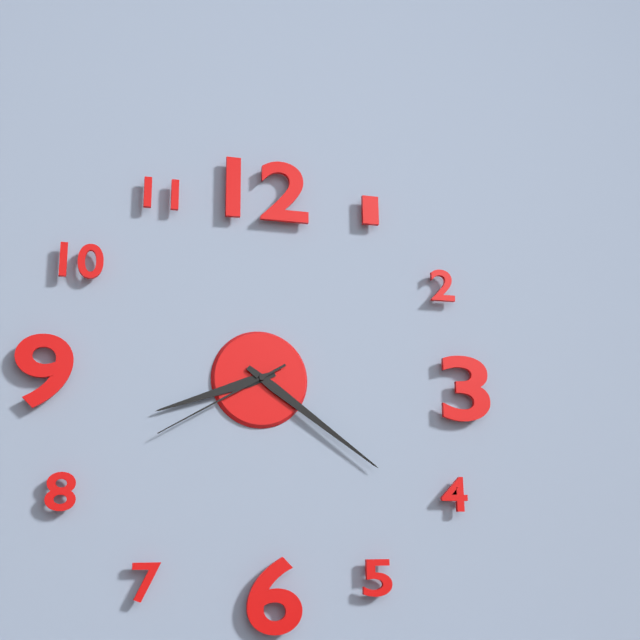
h=8 m=21 s=40
